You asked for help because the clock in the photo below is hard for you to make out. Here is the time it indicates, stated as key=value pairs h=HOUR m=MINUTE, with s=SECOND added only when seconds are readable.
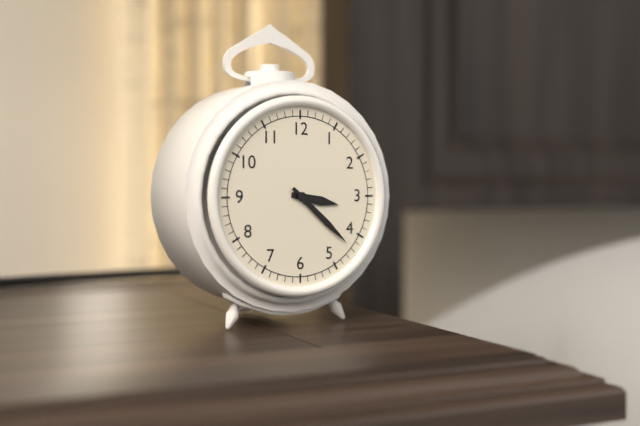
h=3 m=22
